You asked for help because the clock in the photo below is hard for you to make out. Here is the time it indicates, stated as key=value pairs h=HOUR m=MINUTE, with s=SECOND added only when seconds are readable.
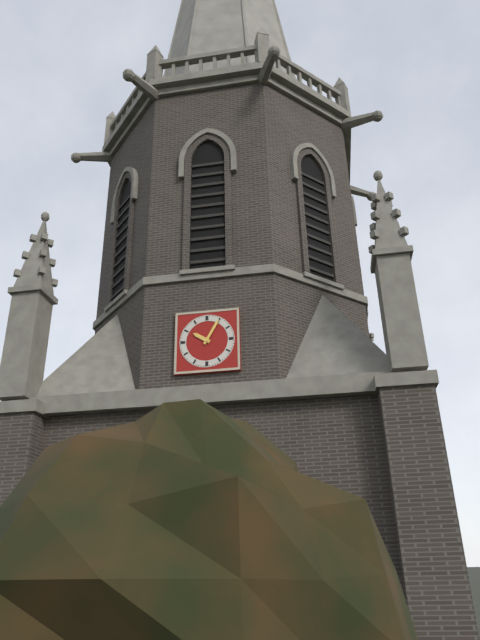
h=10 m=5
